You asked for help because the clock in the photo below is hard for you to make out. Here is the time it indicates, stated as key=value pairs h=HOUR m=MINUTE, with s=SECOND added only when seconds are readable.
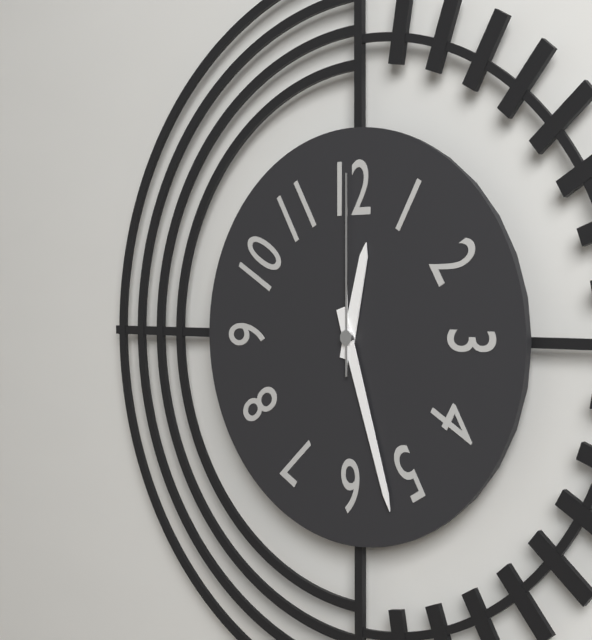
h=12 m=27 s=0
